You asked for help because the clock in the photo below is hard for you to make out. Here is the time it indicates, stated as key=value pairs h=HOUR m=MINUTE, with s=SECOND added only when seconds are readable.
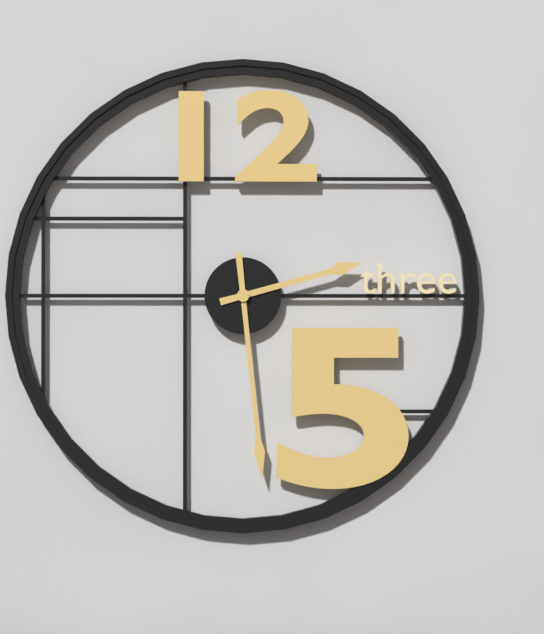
h=2 m=29
